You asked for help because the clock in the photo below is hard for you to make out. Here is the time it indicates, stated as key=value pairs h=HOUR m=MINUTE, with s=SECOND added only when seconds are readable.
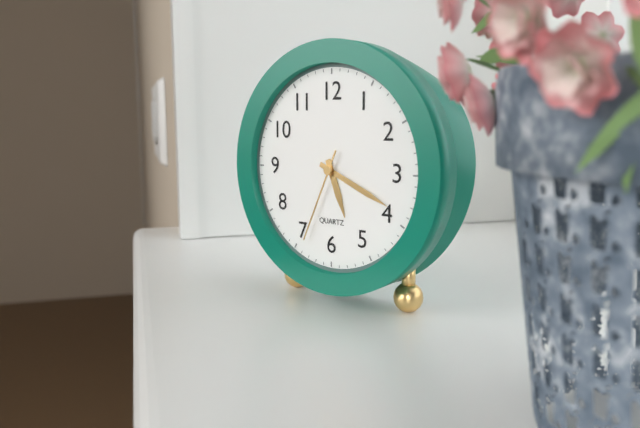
h=5 m=19 s=34
